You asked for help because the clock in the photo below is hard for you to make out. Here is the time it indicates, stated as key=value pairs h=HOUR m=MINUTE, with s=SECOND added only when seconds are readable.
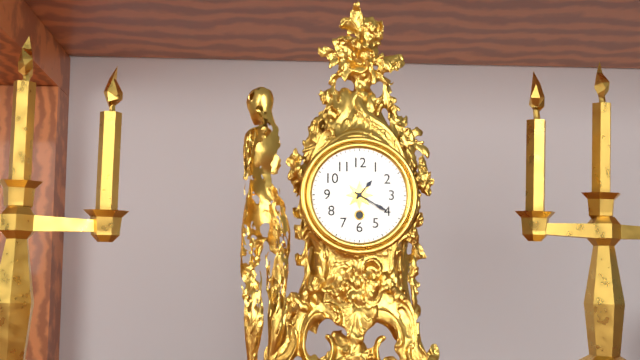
h=1 m=20
